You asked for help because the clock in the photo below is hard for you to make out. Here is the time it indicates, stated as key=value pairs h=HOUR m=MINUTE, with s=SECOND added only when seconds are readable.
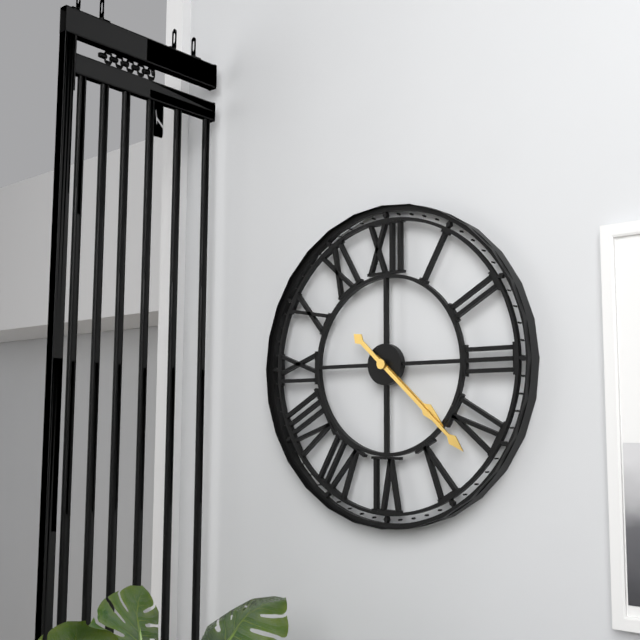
h=4 m=22
